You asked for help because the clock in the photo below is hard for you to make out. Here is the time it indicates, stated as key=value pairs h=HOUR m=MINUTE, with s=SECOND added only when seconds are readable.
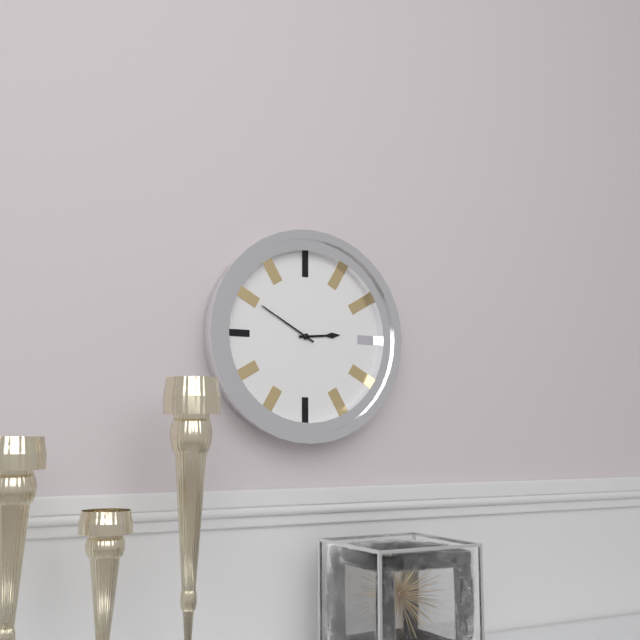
h=2 m=50
